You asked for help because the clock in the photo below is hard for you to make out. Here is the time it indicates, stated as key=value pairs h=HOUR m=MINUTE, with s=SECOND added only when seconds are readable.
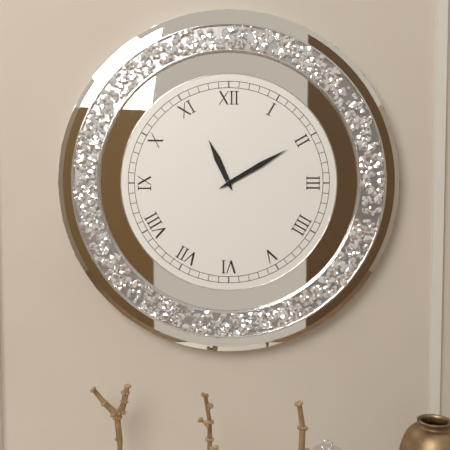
h=11 m=10
